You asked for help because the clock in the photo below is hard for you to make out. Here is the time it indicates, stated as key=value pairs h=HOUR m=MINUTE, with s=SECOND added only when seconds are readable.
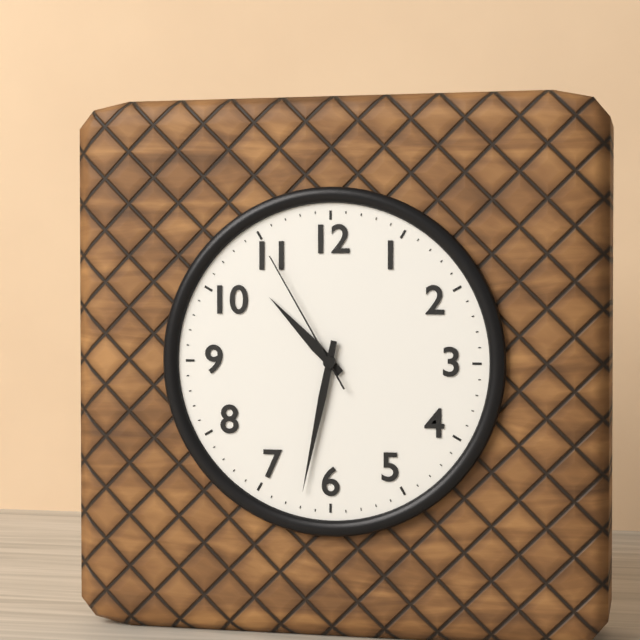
h=10 m=32 s=55
